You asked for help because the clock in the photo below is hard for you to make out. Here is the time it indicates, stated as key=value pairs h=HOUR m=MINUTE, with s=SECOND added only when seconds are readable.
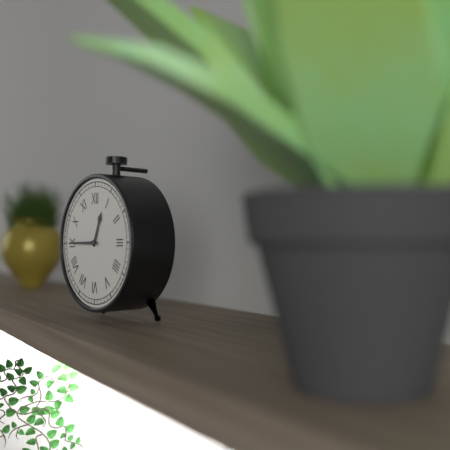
h=12 m=45
